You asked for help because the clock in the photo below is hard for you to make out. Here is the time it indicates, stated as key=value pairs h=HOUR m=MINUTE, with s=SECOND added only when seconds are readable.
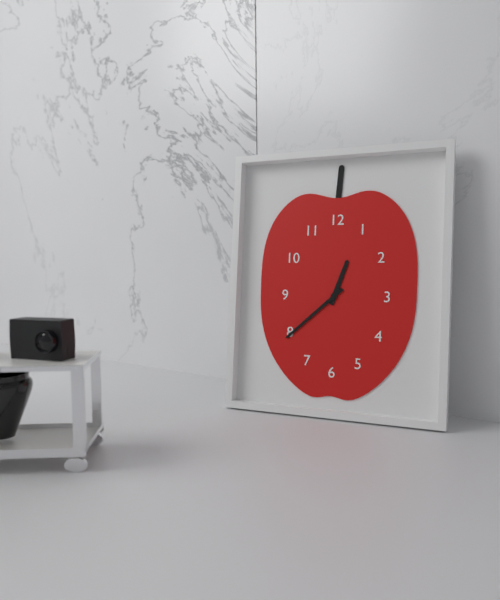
h=12 m=38
